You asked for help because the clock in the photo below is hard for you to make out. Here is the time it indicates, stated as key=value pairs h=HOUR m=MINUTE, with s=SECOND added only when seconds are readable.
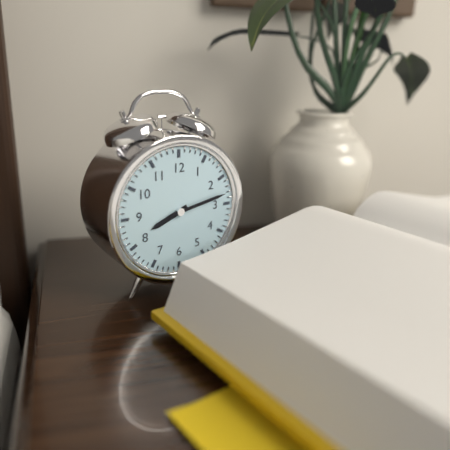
h=8 m=13
